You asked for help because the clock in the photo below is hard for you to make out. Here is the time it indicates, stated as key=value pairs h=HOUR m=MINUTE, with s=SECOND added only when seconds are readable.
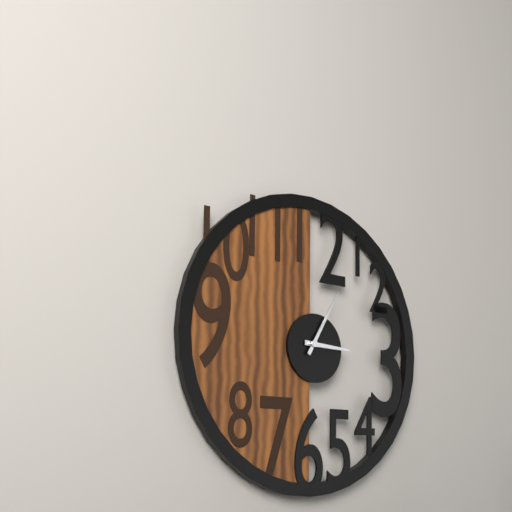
h=3 m=5
